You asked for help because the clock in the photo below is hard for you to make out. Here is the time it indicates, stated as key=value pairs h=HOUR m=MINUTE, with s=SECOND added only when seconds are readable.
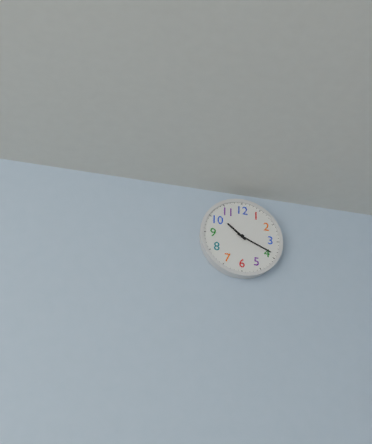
h=10 m=19
